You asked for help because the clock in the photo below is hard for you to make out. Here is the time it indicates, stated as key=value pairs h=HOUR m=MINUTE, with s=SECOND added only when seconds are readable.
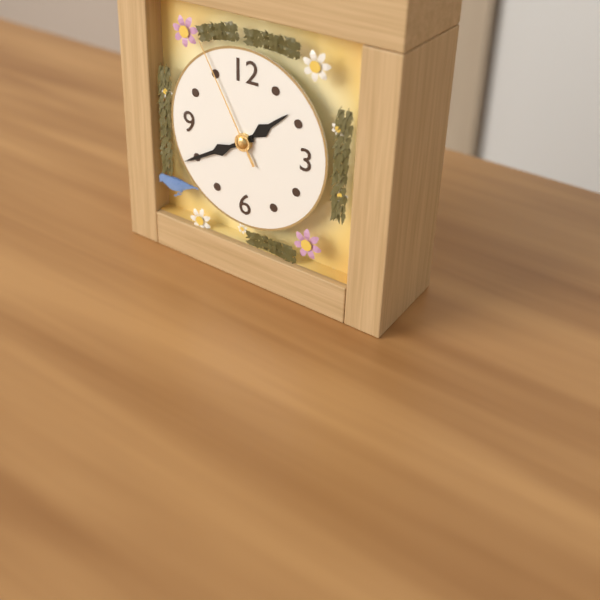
h=1 m=40 s=55
